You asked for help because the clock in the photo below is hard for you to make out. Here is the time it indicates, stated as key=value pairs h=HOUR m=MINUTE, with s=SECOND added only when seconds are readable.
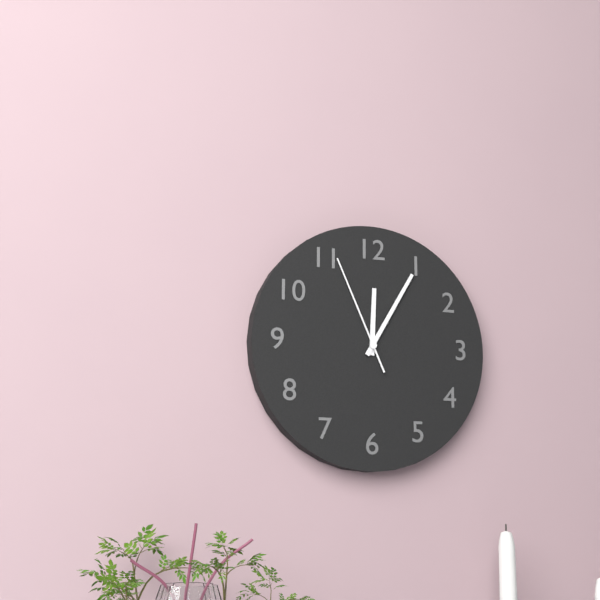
h=12 m=5 s=56
